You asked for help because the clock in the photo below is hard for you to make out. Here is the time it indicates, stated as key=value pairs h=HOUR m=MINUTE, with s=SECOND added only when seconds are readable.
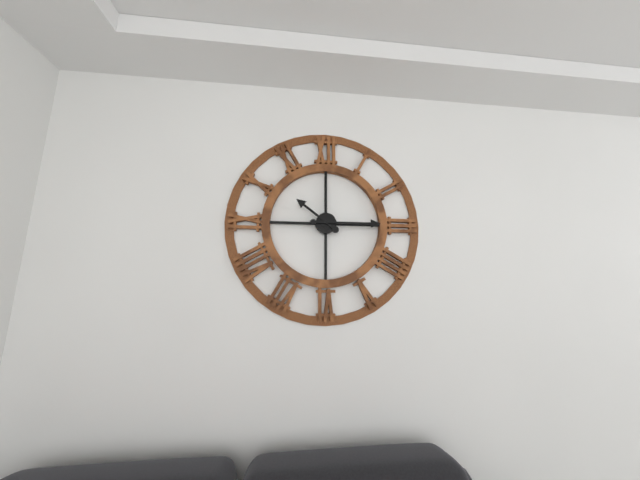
h=10 m=15
